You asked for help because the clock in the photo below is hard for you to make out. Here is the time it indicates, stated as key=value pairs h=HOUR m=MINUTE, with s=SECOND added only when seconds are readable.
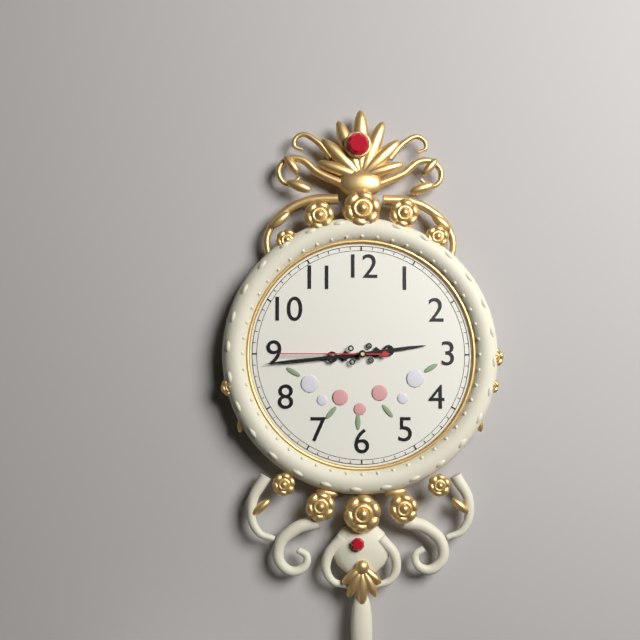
h=2 m=44 s=45
